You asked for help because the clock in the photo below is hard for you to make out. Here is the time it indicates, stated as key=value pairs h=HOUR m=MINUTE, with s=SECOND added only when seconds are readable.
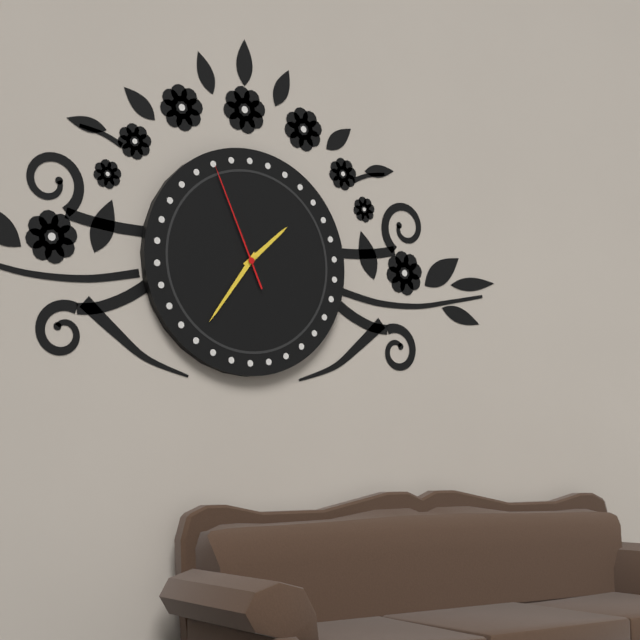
h=1 m=36 s=56
